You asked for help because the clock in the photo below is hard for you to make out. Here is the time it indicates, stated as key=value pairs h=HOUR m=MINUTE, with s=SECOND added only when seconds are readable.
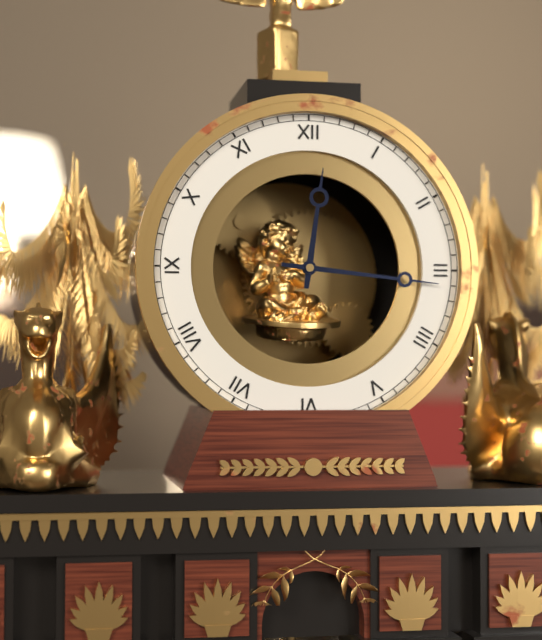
h=12 m=16
